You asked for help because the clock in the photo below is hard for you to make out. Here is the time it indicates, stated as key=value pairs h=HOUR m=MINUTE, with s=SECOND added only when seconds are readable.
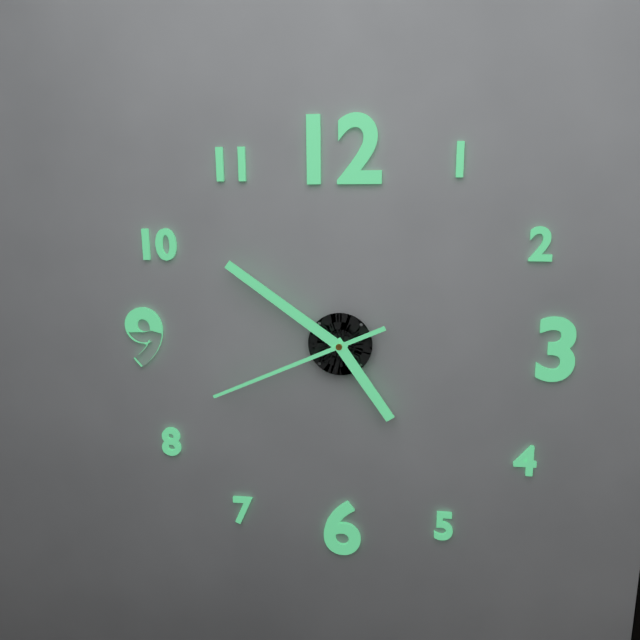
h=4 m=51 s=41
